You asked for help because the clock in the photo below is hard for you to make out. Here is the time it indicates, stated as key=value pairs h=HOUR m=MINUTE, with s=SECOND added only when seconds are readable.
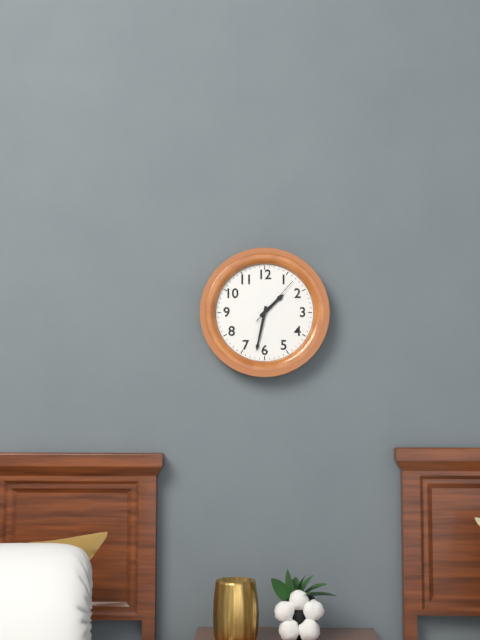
h=1 m=32 s=7
